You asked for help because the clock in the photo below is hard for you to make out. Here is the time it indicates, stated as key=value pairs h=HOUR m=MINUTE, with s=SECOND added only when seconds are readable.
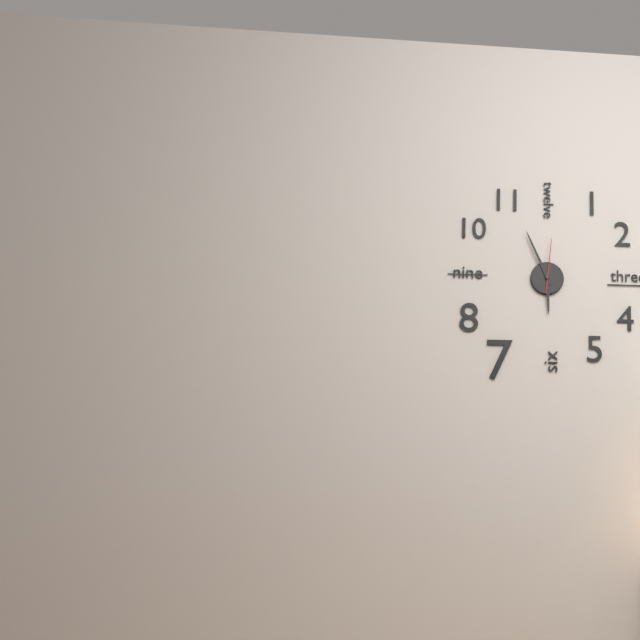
h=5 m=56 s=1
